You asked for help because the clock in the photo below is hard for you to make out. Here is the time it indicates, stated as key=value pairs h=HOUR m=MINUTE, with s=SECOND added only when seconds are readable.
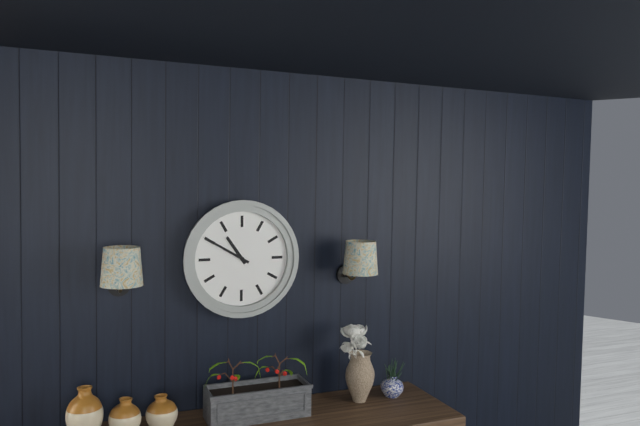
h=10 m=50
